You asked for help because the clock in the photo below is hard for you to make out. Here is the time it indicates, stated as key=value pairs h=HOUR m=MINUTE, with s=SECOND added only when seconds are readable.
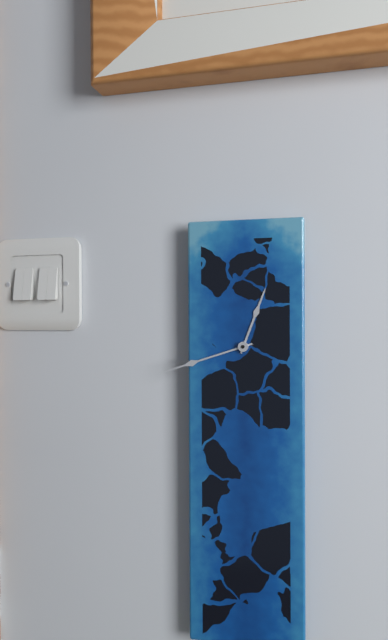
h=12 m=42
